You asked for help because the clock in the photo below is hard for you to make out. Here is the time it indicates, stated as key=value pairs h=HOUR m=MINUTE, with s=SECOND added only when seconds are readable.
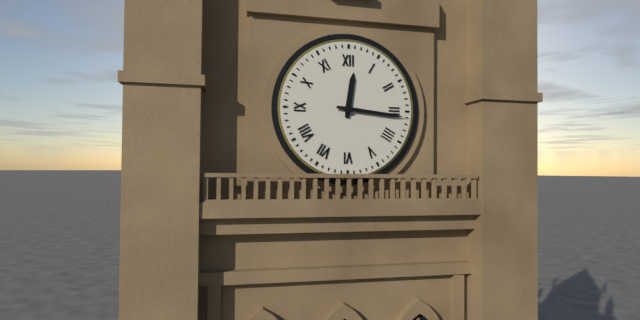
h=12 m=16
